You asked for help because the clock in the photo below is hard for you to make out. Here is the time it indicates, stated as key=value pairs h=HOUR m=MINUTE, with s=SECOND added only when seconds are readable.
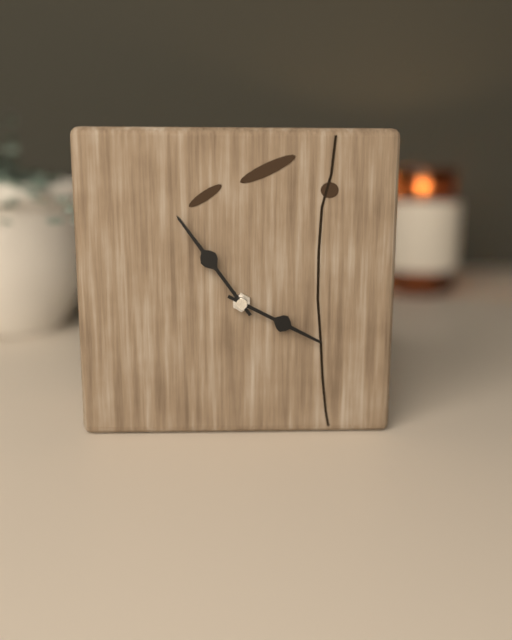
h=3 m=54
